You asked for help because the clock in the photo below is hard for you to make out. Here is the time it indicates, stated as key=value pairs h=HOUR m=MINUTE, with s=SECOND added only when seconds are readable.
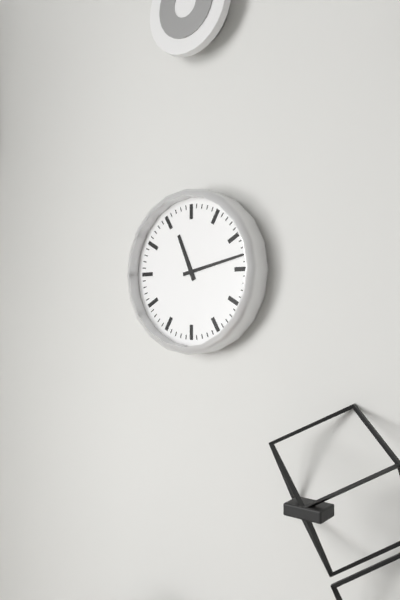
h=11 m=13
